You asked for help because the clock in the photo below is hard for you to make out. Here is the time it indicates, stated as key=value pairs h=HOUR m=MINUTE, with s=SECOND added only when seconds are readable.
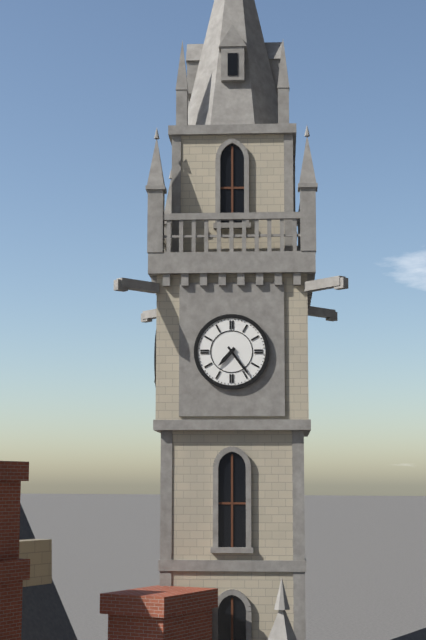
h=7 m=24
